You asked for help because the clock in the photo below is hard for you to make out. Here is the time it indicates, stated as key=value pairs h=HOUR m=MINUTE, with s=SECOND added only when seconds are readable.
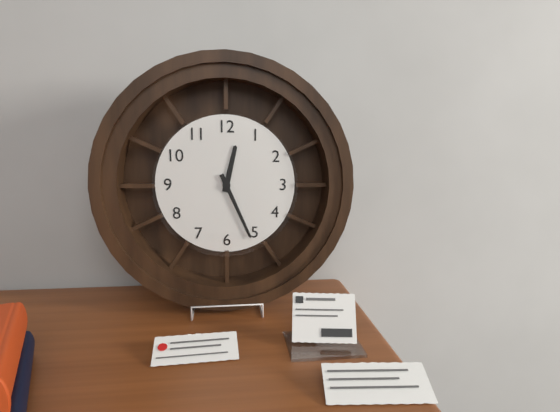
h=12 m=26
